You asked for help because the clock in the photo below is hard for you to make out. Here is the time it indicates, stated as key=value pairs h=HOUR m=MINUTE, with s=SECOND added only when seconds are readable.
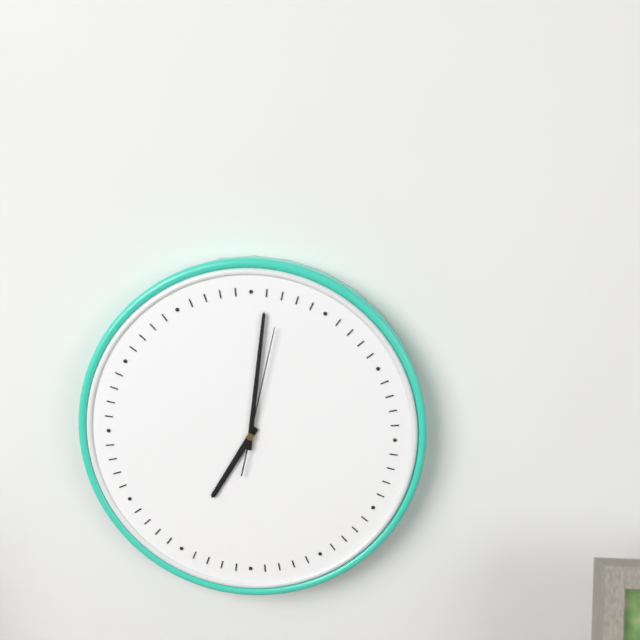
h=7 m=1 s=2
